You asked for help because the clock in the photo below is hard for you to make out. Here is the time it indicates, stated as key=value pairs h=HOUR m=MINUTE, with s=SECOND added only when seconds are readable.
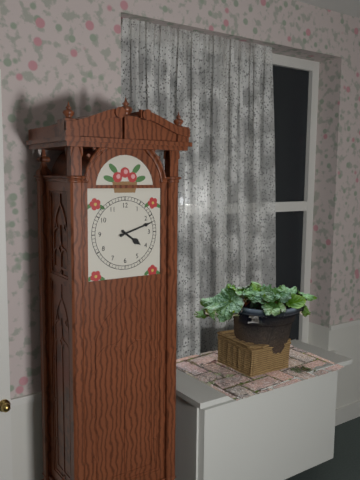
h=4 m=12
